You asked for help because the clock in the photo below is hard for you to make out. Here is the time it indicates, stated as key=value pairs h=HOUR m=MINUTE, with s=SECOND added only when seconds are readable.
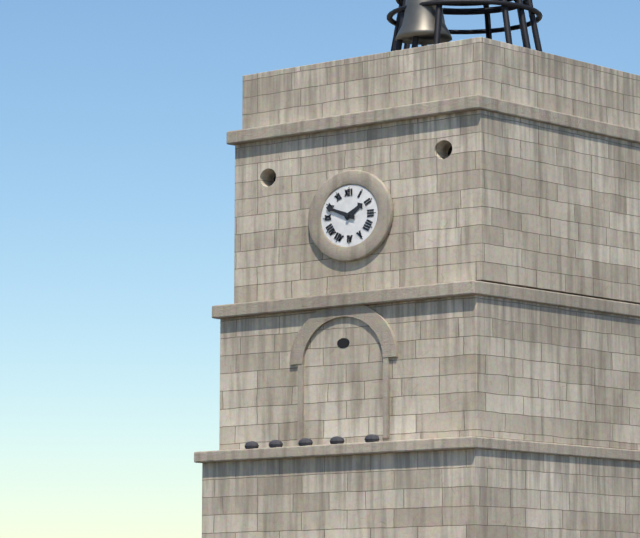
h=1 m=49
